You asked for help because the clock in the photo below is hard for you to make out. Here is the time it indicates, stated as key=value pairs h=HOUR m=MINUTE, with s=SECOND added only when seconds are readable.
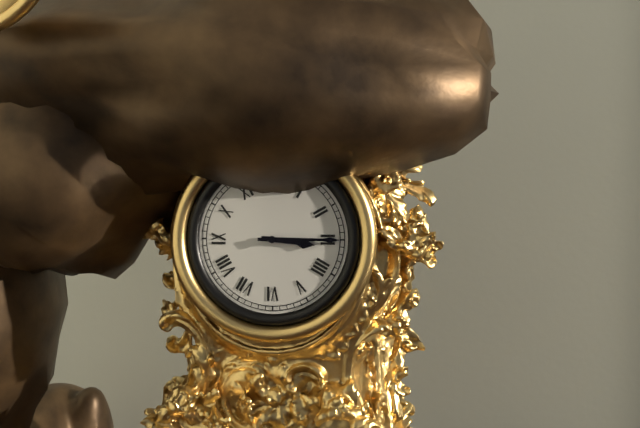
h=3 m=15
